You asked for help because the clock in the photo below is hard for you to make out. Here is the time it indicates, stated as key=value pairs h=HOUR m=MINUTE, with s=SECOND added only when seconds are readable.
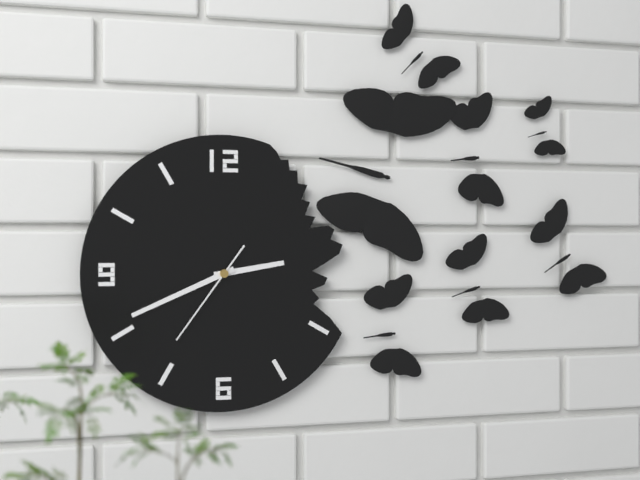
h=2 m=41 s=36
